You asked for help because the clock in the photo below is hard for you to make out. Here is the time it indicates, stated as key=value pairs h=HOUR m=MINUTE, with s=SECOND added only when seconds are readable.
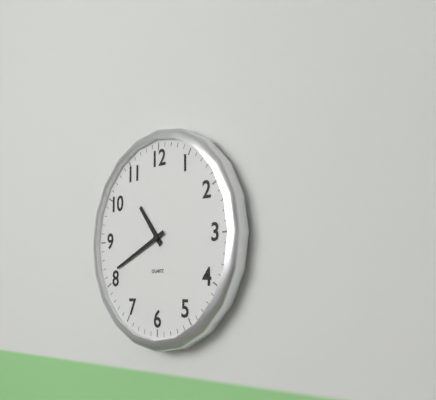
h=10 m=41
